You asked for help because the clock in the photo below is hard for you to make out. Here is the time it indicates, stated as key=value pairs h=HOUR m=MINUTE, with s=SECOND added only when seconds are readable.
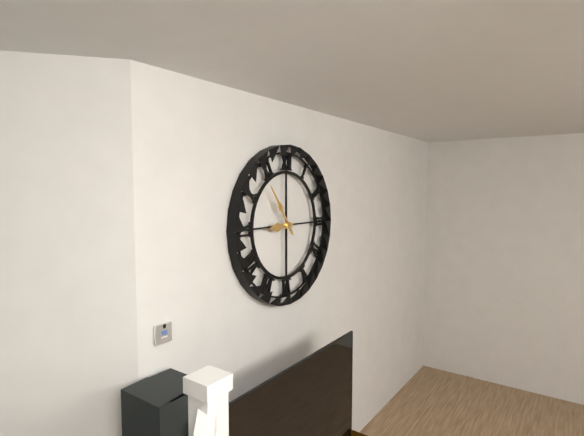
h=8 m=54
